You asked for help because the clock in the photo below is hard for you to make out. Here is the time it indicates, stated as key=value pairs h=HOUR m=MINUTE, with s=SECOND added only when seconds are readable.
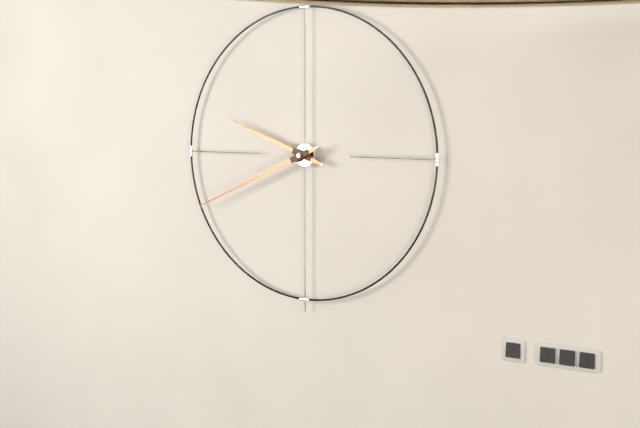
h=9 m=41
